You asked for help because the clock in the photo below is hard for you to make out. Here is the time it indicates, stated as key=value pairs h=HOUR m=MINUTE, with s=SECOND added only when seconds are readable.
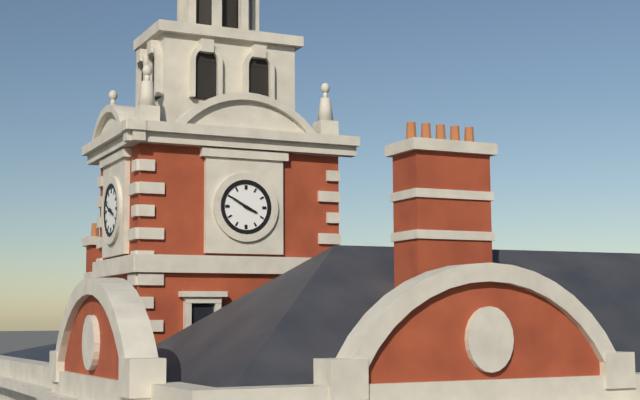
h=3 m=50
